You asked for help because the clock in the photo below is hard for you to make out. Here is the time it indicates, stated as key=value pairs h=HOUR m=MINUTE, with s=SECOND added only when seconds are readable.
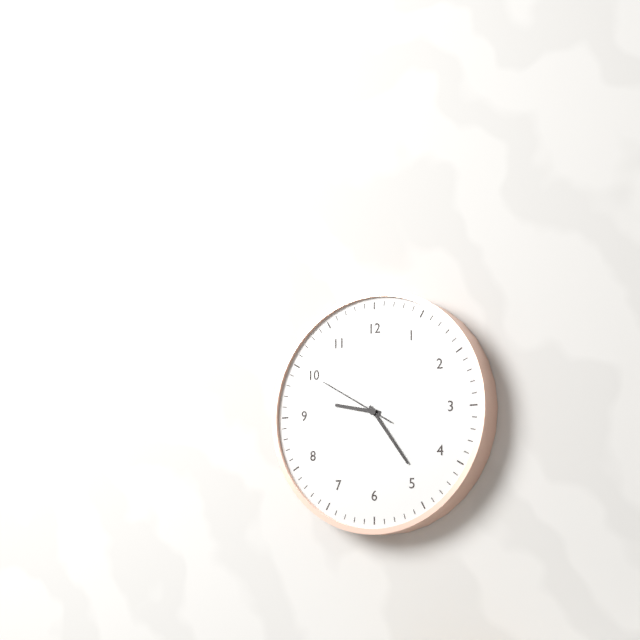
h=9 m=24 s=50
